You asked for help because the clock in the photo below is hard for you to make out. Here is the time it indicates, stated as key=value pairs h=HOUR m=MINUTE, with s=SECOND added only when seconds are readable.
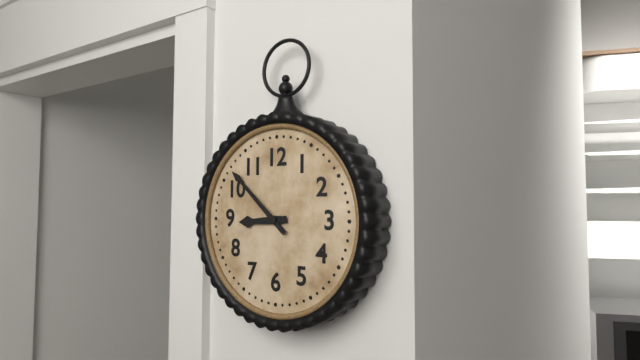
h=8 m=52
